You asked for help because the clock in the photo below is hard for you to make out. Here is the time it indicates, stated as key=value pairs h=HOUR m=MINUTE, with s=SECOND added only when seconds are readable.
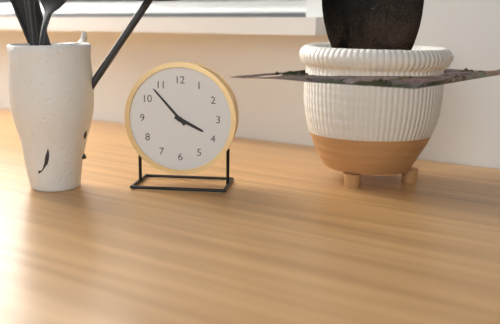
h=3 m=53
